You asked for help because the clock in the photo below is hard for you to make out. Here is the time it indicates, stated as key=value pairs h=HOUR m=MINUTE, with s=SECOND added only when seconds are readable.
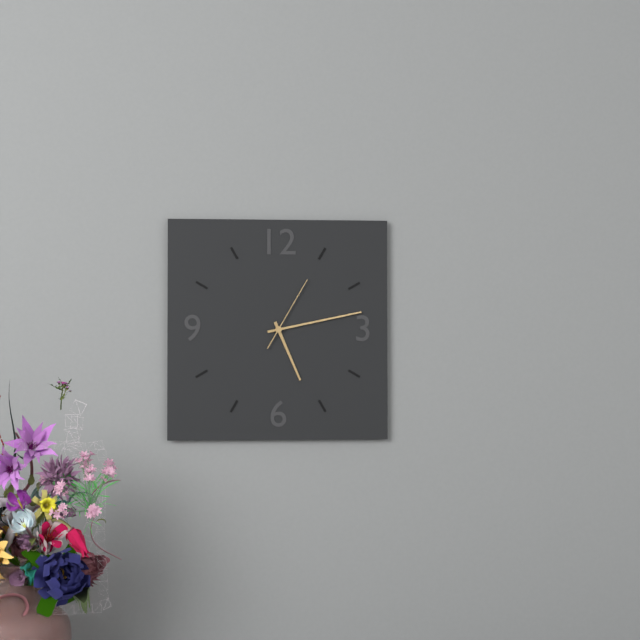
h=5 m=13 s=5
